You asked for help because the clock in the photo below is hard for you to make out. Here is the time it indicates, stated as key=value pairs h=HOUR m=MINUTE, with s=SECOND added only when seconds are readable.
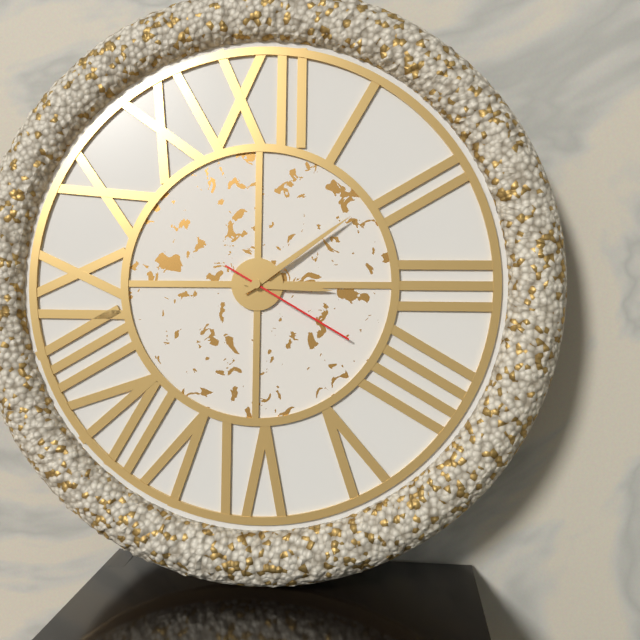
h=3 m=9 s=20
